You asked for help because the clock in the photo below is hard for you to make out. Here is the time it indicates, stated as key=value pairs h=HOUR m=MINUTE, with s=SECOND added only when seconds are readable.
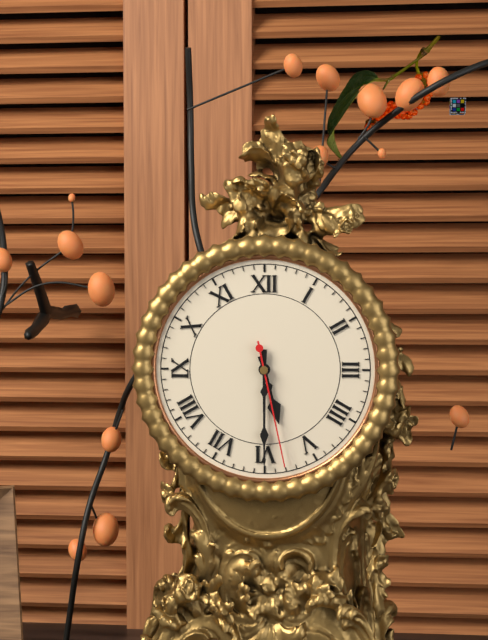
h=5 m=30 s=28
